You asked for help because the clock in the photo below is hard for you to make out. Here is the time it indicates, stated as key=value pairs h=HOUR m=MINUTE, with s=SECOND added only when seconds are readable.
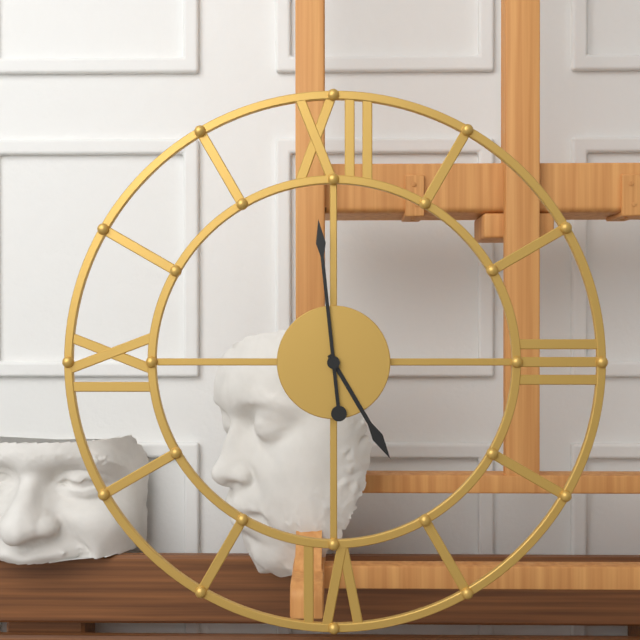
h=4 m=59
